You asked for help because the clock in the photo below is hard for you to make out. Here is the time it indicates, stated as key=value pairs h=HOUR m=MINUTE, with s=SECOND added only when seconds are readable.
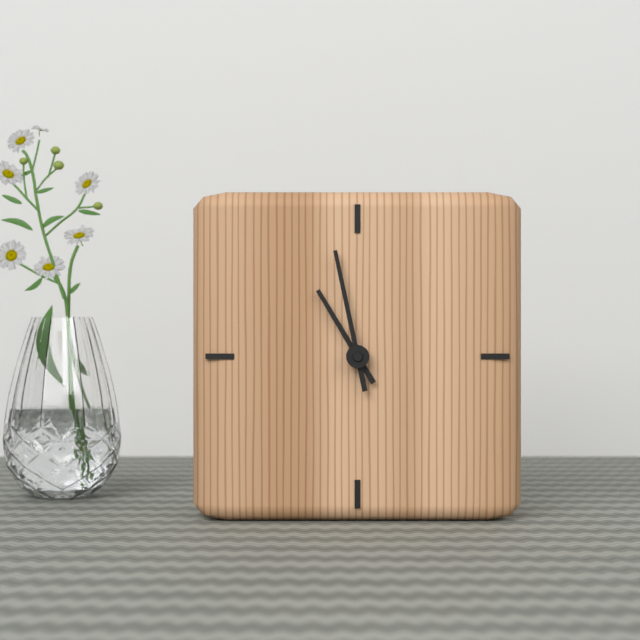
h=10 m=58
